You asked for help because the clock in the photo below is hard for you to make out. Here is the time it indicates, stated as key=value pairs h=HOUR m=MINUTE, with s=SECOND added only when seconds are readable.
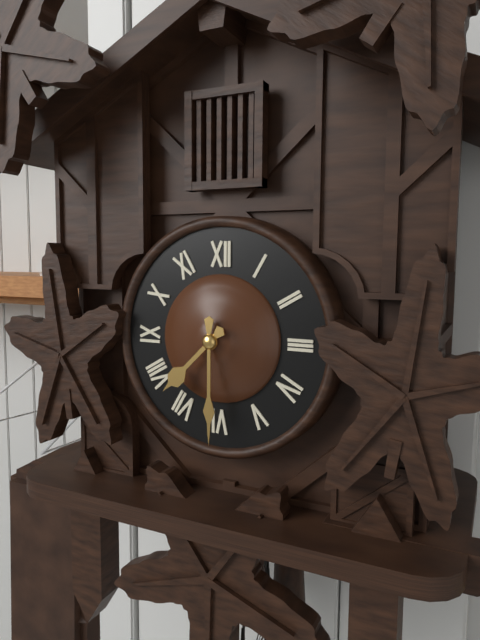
h=7 m=30
